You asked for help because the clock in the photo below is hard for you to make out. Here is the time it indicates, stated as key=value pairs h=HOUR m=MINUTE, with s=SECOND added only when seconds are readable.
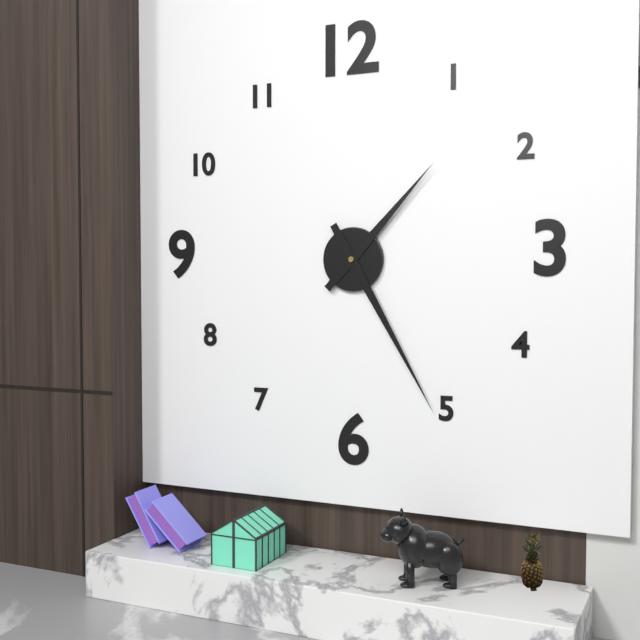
h=1 m=25
